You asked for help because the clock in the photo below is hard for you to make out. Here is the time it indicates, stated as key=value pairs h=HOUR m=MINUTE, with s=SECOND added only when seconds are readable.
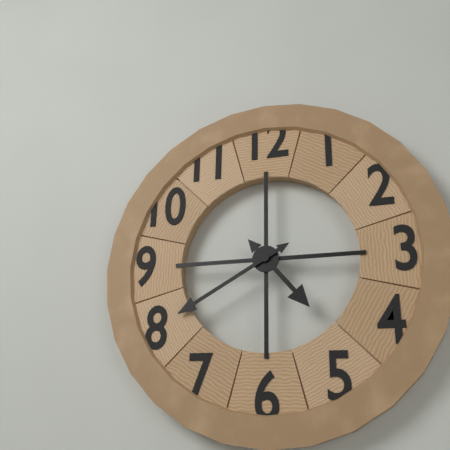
h=4 m=40
